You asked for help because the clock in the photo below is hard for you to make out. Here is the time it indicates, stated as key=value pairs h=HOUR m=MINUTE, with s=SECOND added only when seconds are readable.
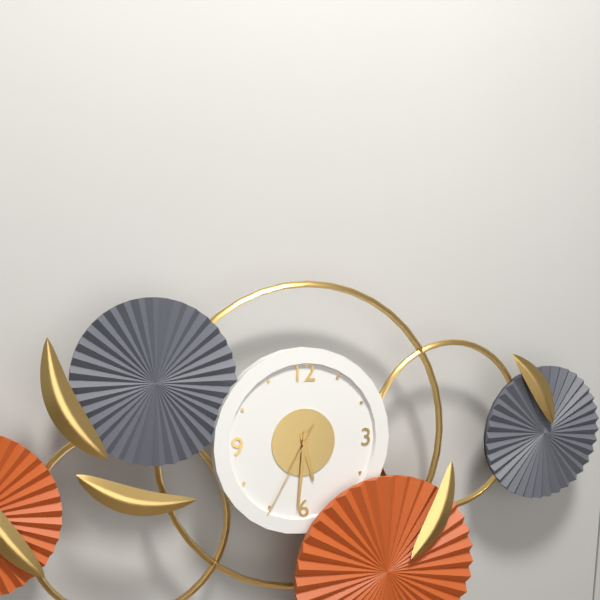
h=5 m=31 s=35
